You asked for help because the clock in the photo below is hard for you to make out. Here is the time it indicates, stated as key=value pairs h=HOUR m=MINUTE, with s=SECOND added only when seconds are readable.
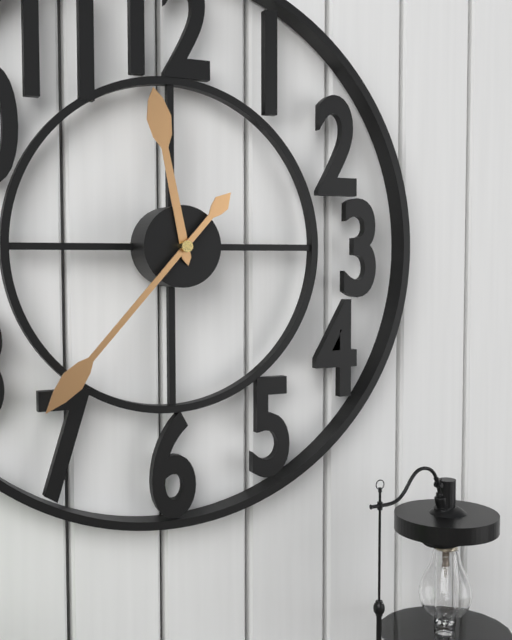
h=11 m=37
